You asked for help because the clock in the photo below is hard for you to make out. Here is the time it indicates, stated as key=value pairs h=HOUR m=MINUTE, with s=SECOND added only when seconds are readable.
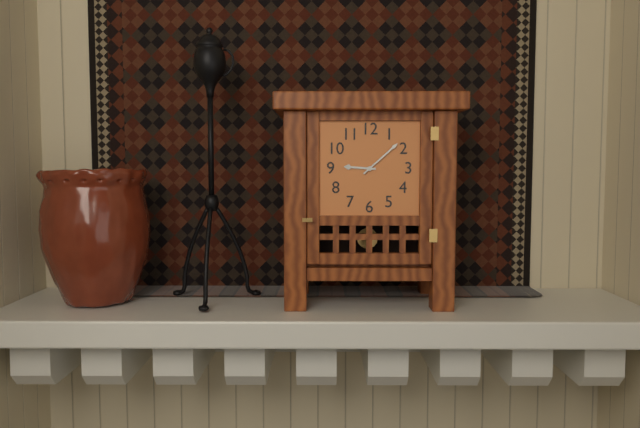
h=9 m=8
